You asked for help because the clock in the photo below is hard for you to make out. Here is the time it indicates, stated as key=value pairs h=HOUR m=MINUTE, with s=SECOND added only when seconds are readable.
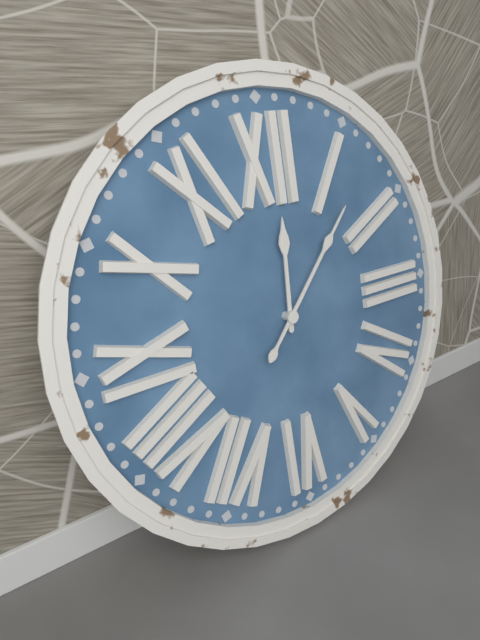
h=12 m=7
